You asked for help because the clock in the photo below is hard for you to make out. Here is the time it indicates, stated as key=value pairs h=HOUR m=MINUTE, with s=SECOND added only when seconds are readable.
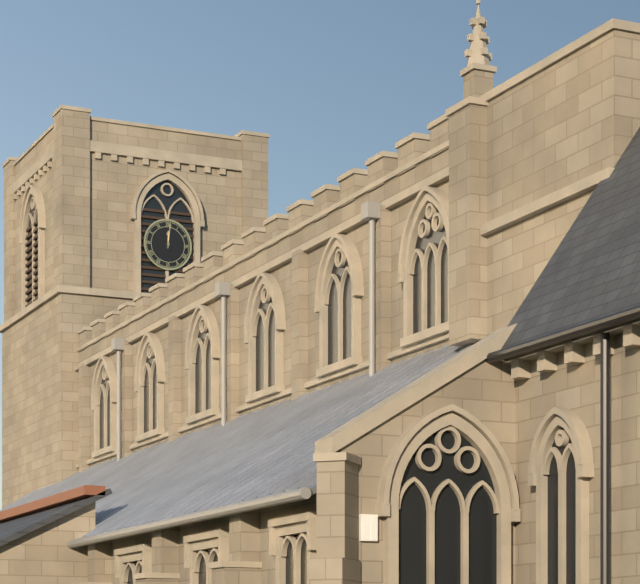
h=12 m=1
